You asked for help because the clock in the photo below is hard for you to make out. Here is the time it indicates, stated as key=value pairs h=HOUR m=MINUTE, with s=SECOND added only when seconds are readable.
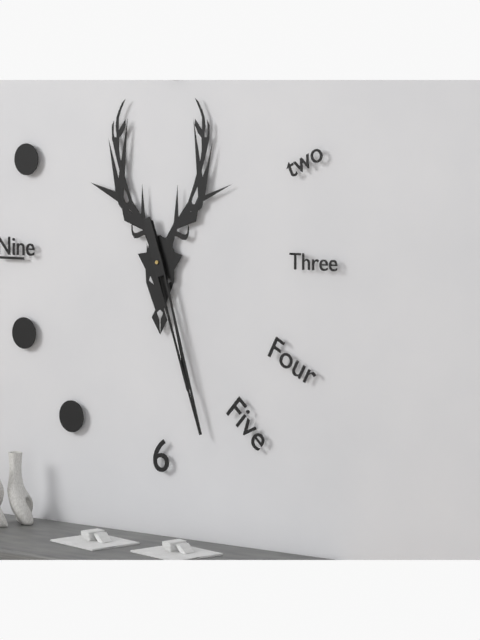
h=5 m=27
